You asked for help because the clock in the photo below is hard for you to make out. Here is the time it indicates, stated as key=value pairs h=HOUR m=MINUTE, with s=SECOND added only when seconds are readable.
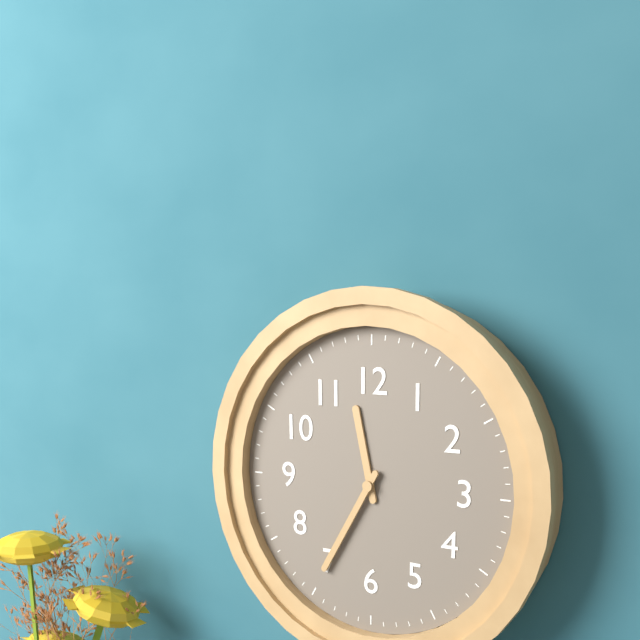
h=11 m=35
